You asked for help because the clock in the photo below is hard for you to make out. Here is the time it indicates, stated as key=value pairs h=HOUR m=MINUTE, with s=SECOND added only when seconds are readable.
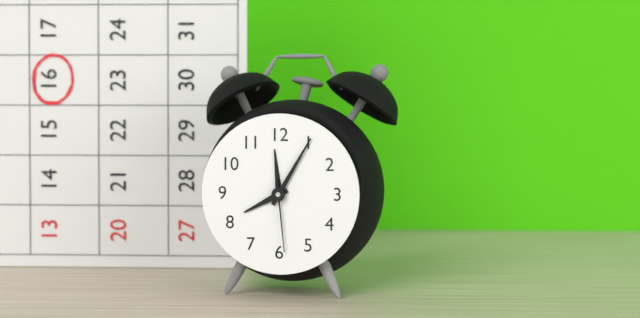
h=8 m=5 s=29
